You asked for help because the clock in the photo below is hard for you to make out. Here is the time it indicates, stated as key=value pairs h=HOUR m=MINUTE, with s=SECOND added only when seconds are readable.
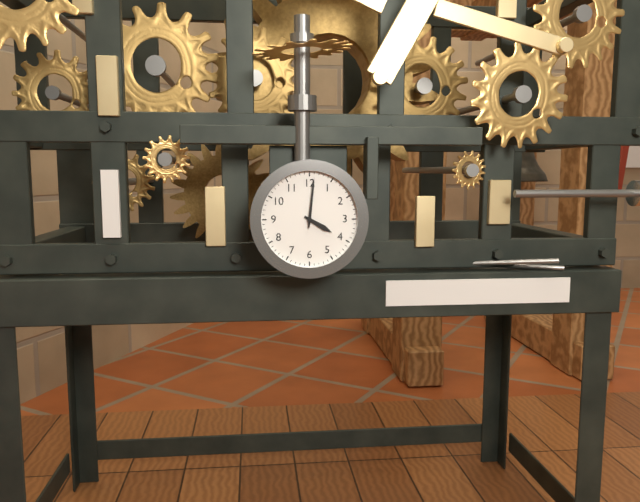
h=4 m=1
